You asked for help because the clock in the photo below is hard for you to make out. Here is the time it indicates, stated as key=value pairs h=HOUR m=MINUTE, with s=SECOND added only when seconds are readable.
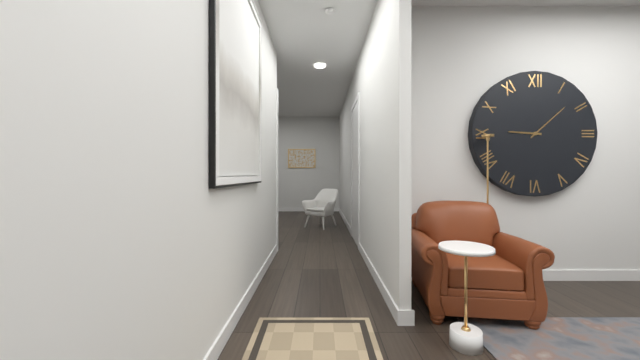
h=9 m=8
